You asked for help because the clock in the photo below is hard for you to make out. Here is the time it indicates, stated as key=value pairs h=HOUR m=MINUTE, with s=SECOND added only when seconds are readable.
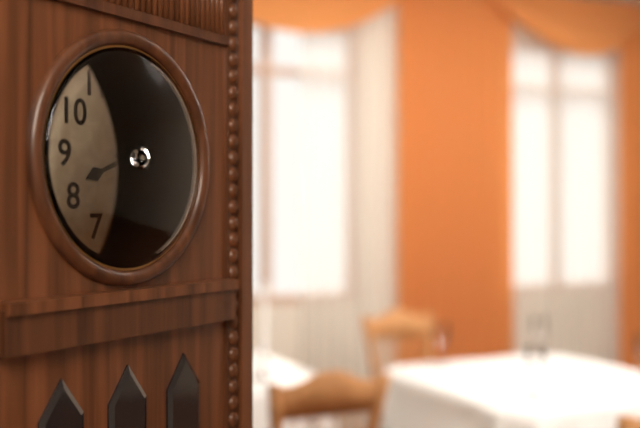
h=8 m=16
